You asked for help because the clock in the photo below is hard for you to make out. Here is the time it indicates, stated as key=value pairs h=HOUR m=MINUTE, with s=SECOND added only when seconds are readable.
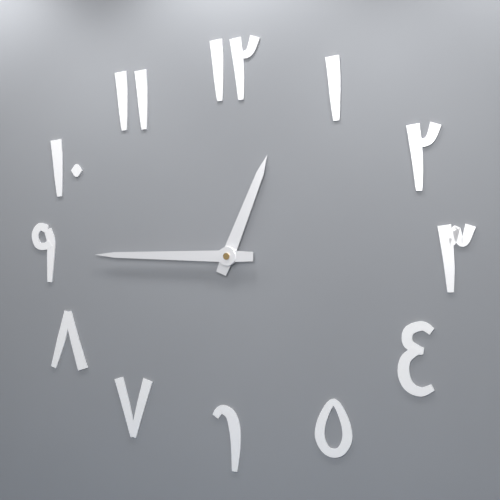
h=12 m=45
